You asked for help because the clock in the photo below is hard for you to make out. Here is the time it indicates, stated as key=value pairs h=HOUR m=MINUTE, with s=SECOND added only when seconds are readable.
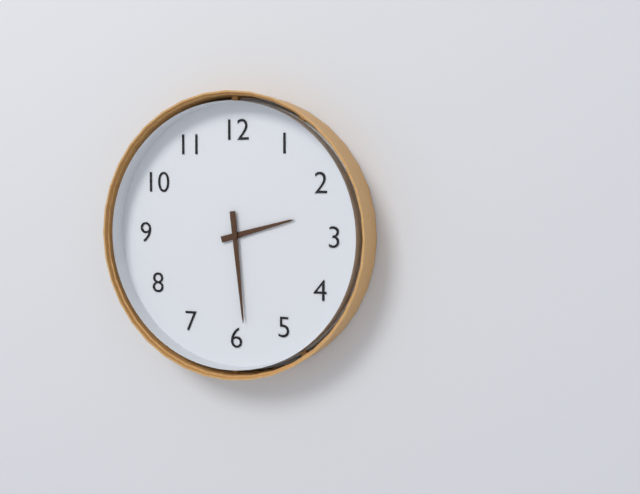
h=2 m=29
